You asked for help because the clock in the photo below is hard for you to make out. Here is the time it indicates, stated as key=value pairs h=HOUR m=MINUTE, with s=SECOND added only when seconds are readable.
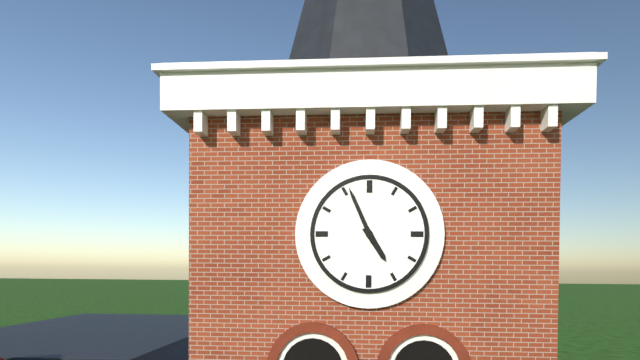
h=4 m=56
